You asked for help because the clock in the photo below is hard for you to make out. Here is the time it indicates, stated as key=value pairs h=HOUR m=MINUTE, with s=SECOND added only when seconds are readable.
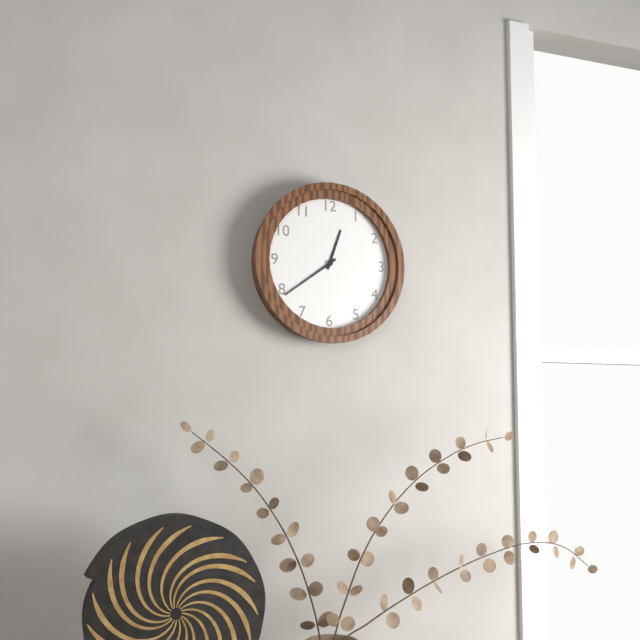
h=12 m=39
